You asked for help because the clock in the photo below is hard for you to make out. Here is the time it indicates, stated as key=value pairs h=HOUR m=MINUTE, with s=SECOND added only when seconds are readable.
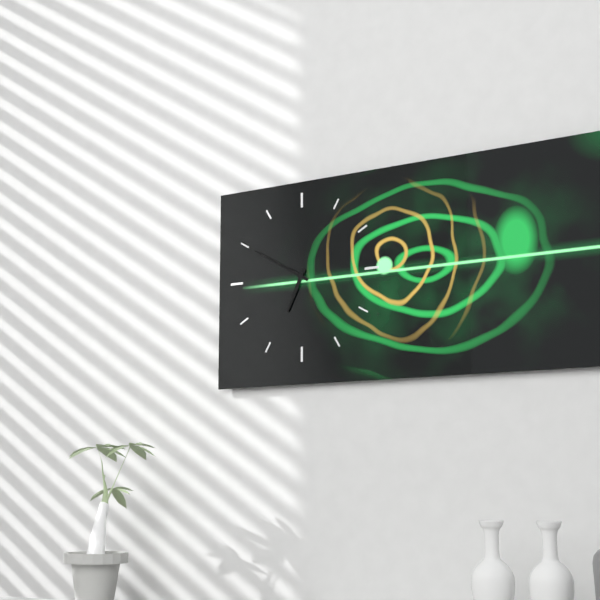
h=6 m=50
